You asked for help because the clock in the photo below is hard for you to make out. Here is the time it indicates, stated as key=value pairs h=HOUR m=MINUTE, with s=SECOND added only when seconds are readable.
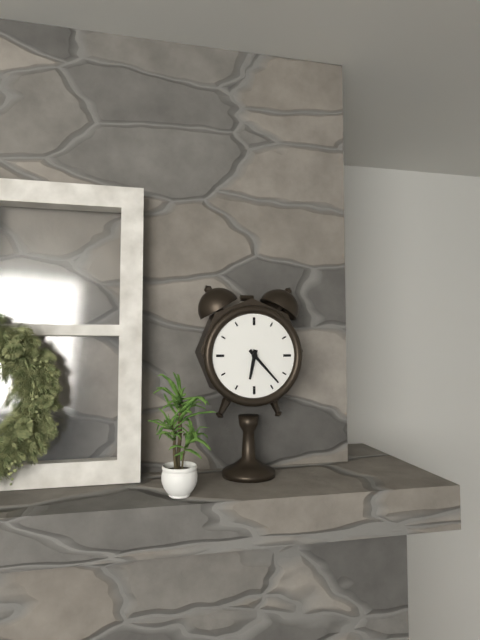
h=6 m=23
